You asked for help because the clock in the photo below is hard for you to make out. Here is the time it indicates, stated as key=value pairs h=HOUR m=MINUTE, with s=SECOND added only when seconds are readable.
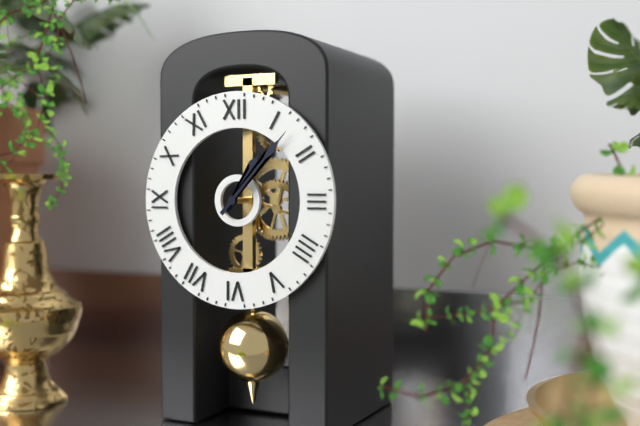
h=1 m=7
